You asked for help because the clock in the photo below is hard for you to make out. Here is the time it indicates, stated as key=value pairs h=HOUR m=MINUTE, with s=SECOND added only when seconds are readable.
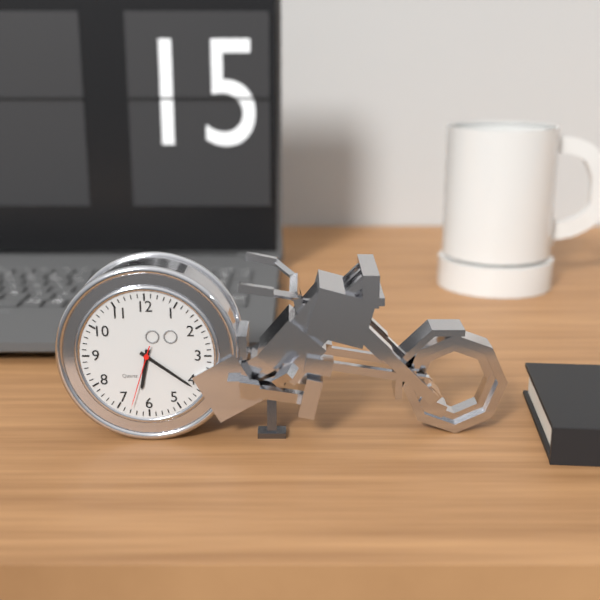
h=6 m=21 s=33
